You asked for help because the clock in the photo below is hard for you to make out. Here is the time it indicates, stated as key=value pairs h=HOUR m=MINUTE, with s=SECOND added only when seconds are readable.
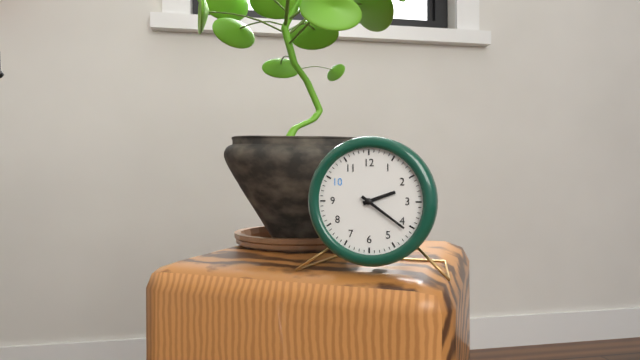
h=2 m=21
